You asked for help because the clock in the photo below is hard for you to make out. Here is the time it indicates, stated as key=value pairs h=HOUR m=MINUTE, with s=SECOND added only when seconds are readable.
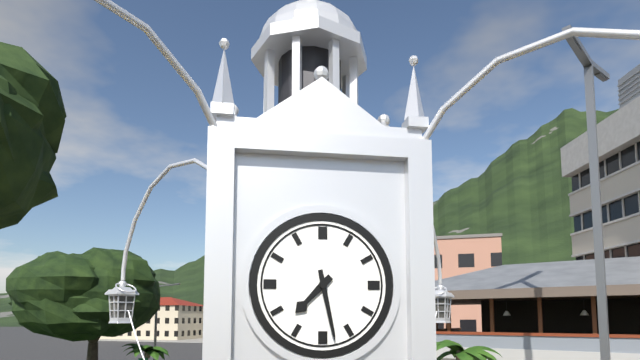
h=7 m=28
